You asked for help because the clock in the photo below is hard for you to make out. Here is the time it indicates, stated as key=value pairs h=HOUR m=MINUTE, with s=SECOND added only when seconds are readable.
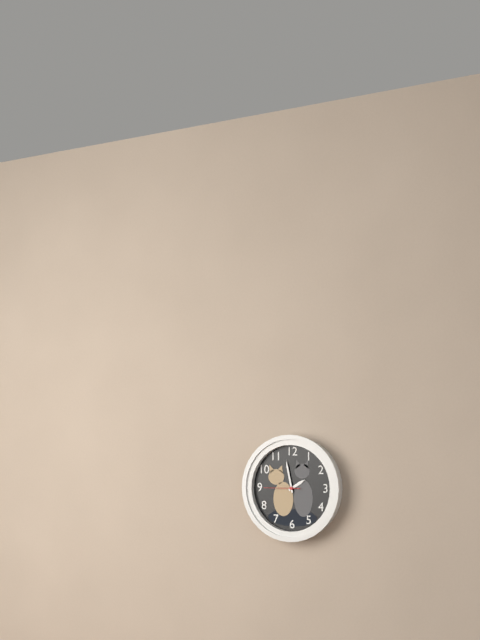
h=1 m=58
